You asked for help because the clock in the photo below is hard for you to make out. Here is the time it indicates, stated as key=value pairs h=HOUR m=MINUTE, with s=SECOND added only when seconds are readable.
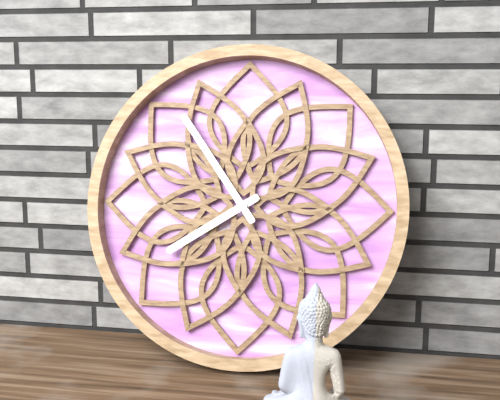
h=7 m=54
